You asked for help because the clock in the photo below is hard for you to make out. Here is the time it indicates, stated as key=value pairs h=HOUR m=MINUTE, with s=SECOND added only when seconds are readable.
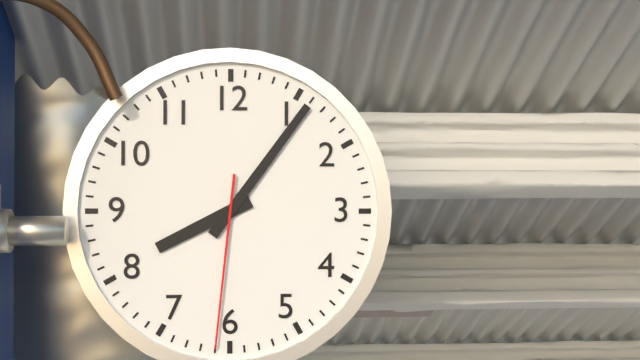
h=8 m=6 s=31
